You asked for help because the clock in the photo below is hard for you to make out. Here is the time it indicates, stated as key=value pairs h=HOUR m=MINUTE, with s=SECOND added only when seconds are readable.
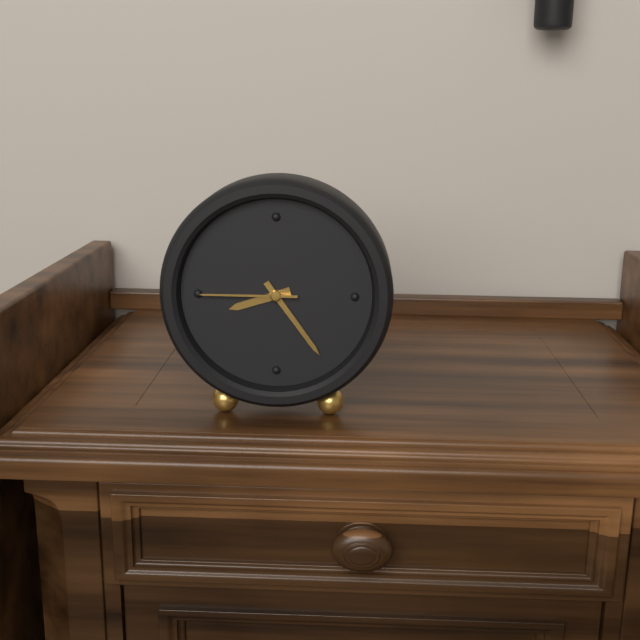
h=8 m=24 s=45
